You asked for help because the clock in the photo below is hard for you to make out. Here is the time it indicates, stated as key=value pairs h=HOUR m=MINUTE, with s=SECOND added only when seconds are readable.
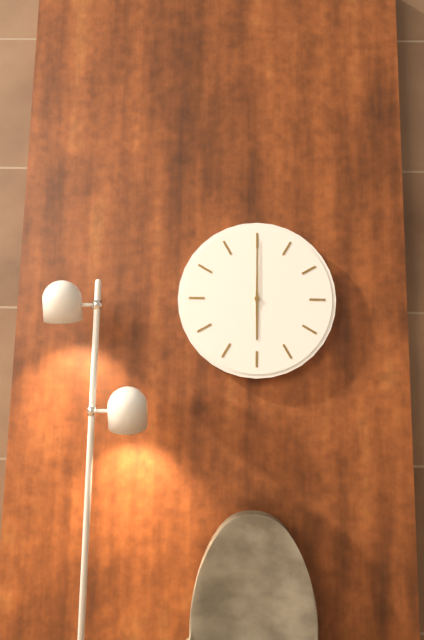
h=6 m=0
